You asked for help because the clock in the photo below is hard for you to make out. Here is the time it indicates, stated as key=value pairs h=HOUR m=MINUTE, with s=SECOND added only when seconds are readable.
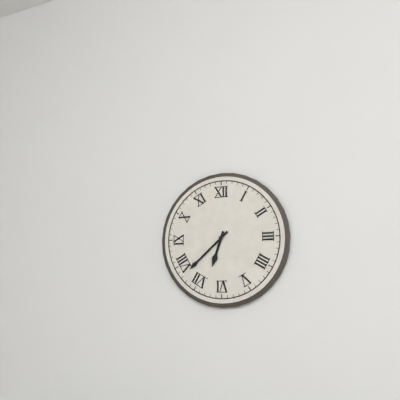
h=6 m=38
